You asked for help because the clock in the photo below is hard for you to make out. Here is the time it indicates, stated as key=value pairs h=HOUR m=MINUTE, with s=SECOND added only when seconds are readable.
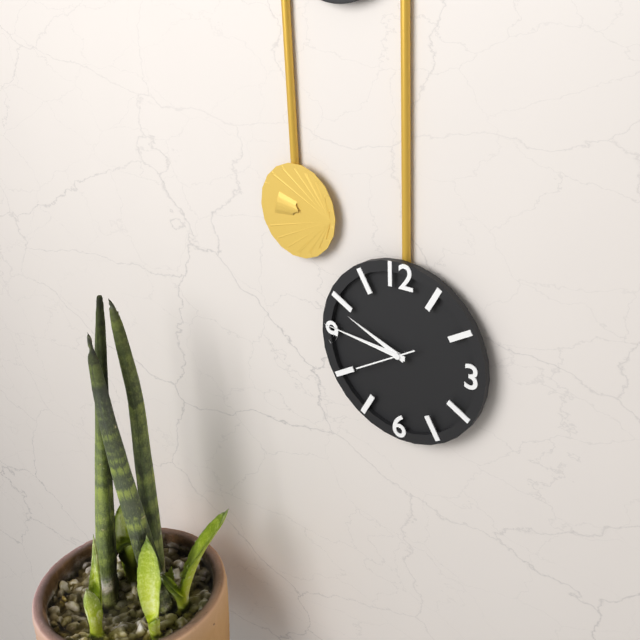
h=9 m=46 s=40
